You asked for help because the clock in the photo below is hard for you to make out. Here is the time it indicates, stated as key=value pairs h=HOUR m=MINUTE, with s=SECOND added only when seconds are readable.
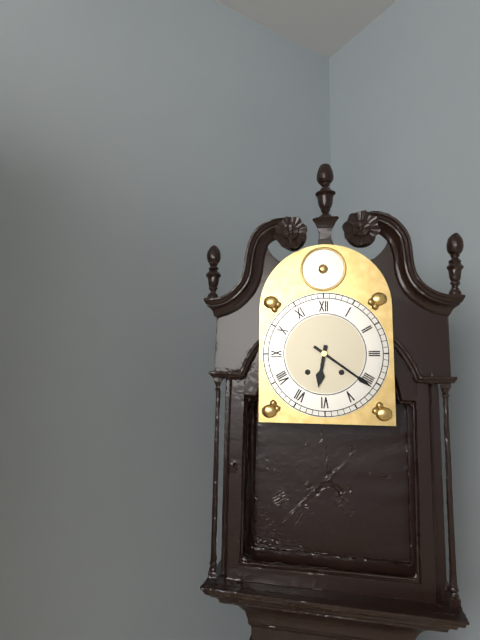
h=6 m=21
